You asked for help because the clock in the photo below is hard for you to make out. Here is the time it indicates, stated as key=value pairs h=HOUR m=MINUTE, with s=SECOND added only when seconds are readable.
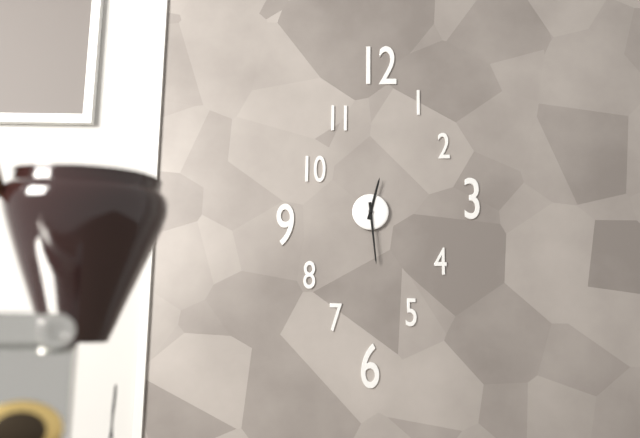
h=12 m=29
